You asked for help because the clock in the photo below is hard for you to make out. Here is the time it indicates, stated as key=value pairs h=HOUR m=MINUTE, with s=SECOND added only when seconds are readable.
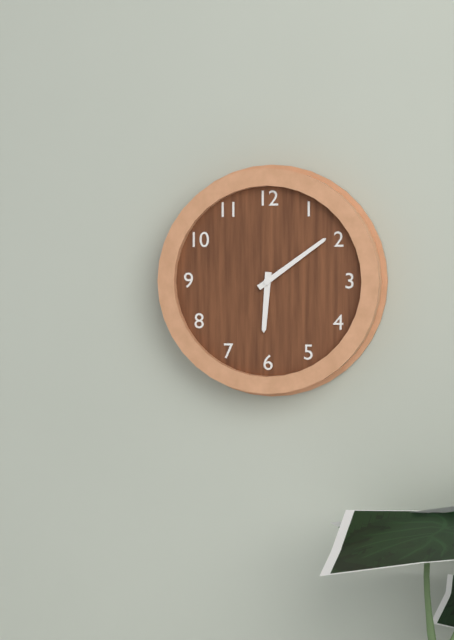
h=6 m=9
